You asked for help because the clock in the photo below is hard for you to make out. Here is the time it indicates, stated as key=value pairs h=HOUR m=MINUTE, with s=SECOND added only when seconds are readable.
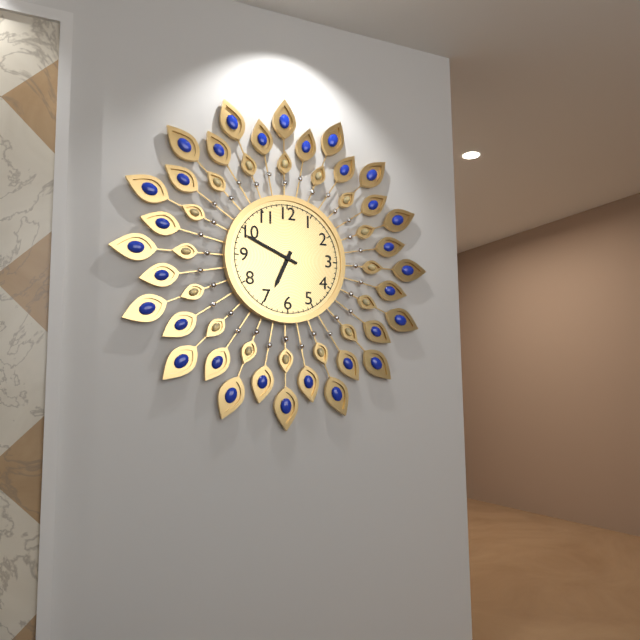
h=6 m=49
